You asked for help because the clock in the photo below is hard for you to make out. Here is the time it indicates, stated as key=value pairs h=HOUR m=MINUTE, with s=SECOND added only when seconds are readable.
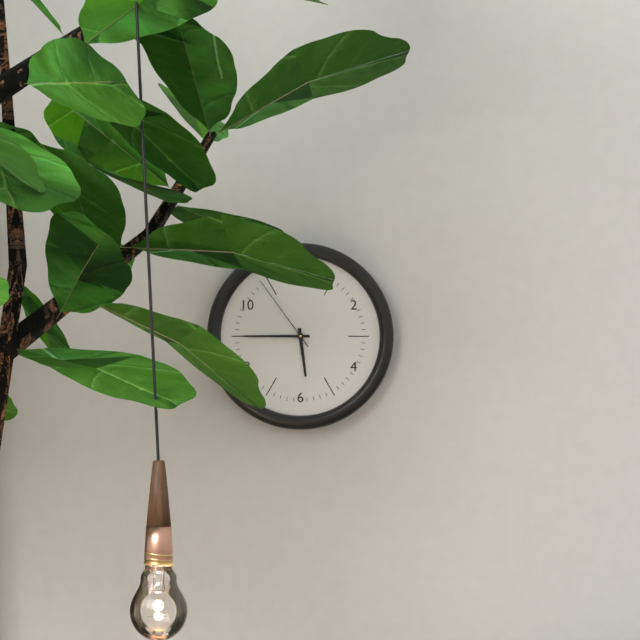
h=5 m=45 s=54
